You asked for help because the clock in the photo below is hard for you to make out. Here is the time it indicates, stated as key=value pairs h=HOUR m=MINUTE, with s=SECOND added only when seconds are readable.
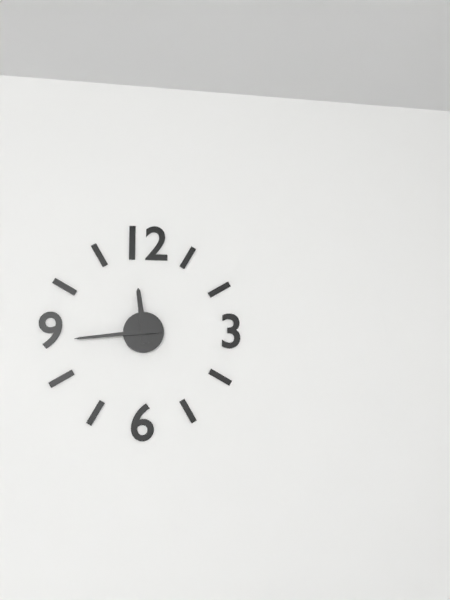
h=11 m=44
